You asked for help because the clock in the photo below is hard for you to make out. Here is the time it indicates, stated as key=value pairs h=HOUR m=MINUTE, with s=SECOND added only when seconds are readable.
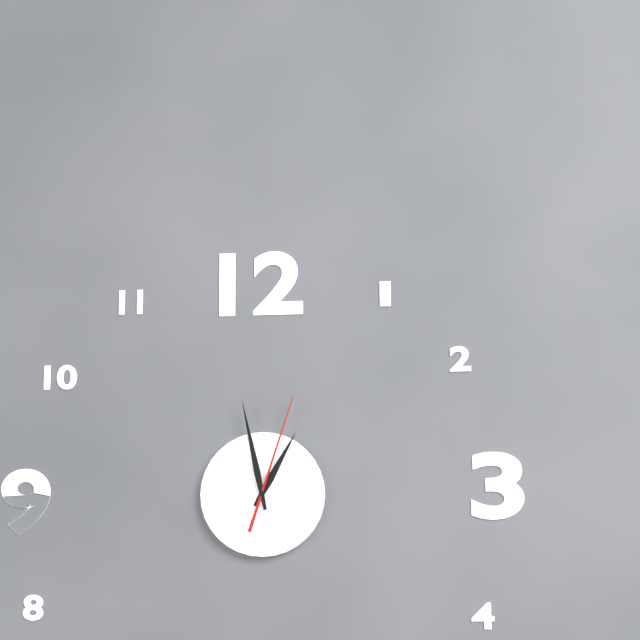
h=12 m=58 s=3
